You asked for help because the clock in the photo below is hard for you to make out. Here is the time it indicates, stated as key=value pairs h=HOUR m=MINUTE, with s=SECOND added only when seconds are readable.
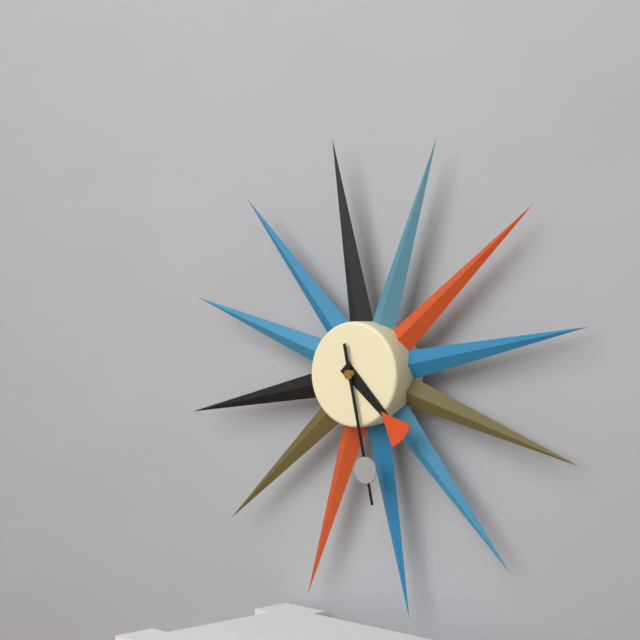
h=4 m=28
